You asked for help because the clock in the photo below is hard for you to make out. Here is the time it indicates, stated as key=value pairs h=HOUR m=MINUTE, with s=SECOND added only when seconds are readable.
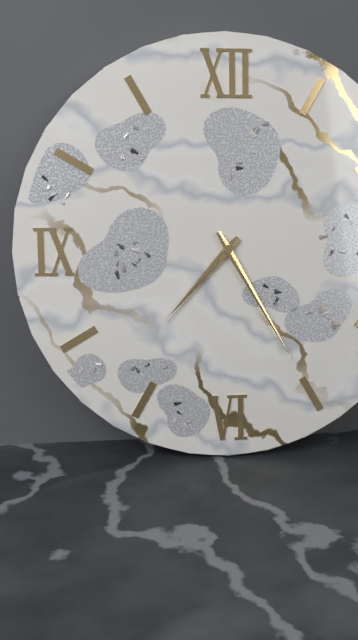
h=7 m=25
